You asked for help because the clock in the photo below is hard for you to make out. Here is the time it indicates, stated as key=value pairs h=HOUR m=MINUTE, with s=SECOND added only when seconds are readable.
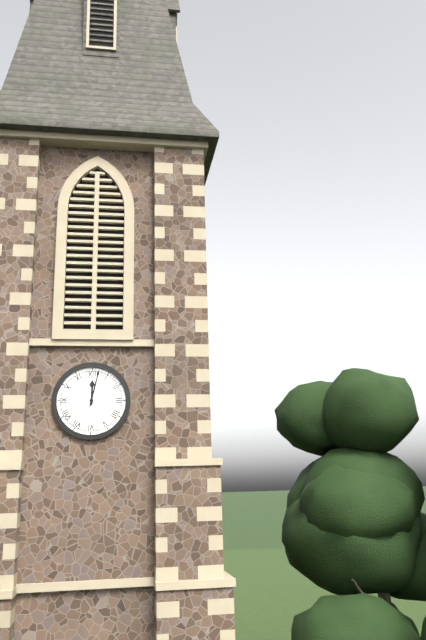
h=12 m=2
